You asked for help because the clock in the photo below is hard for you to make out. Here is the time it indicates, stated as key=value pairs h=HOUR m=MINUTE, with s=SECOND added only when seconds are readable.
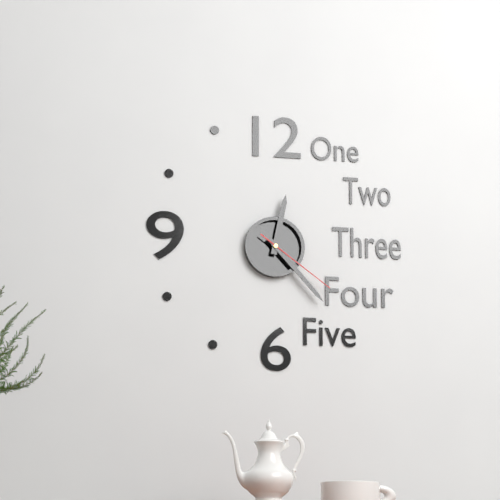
h=12 m=23 s=21
